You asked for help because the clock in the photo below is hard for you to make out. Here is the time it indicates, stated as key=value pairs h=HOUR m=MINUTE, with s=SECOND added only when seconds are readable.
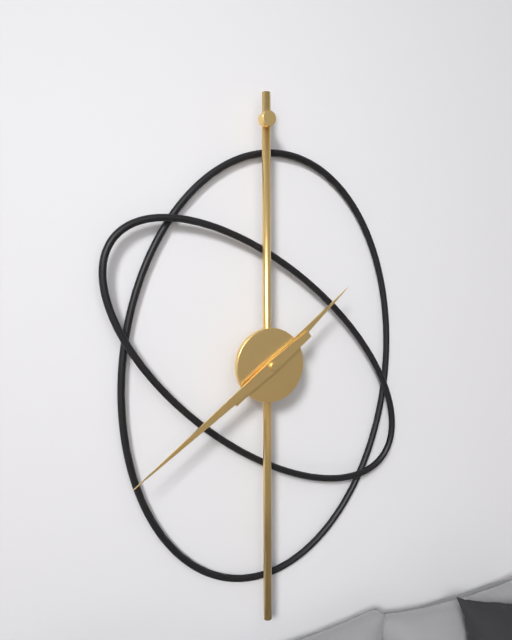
h=1 m=39
